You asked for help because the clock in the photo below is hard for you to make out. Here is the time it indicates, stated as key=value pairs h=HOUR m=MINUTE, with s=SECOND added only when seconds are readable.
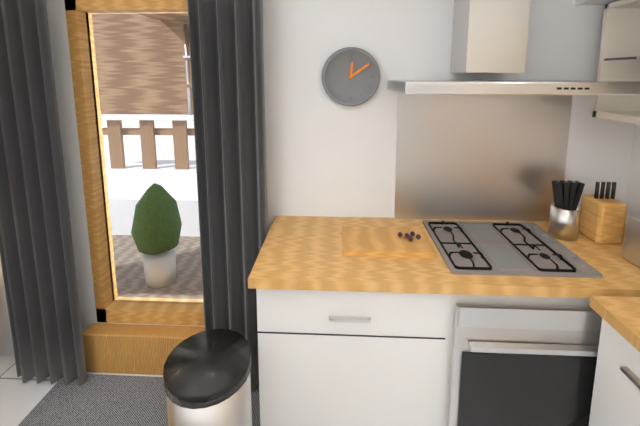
h=12 m=9
